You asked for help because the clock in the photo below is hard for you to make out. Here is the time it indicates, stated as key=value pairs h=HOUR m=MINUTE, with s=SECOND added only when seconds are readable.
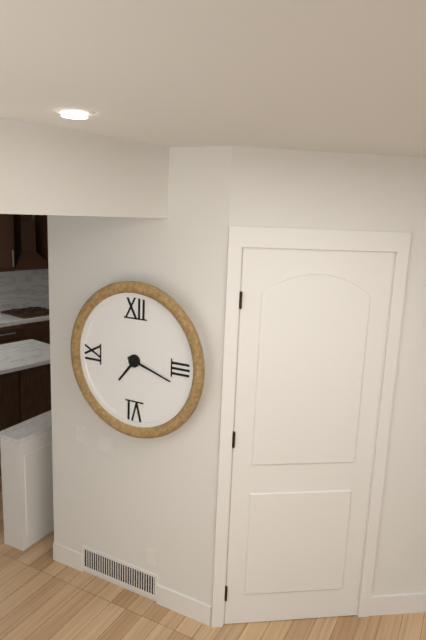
h=7 m=18
